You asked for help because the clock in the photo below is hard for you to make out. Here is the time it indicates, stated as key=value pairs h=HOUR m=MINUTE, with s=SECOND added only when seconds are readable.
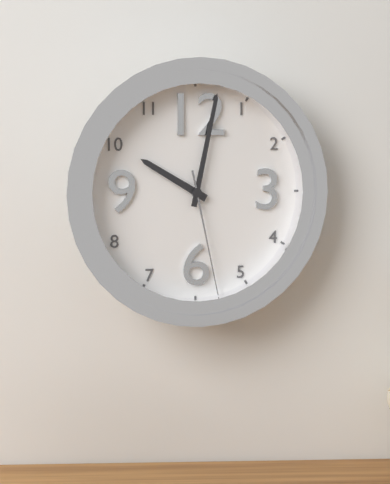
h=10 m=2 s=28
